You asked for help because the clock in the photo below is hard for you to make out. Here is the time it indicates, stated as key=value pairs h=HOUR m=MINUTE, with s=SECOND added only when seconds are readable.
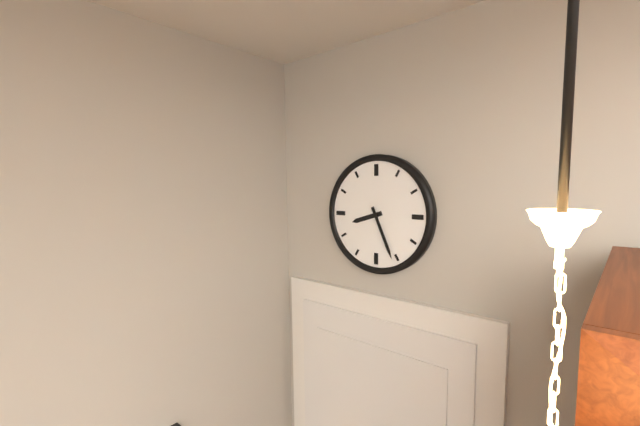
h=8 m=26
